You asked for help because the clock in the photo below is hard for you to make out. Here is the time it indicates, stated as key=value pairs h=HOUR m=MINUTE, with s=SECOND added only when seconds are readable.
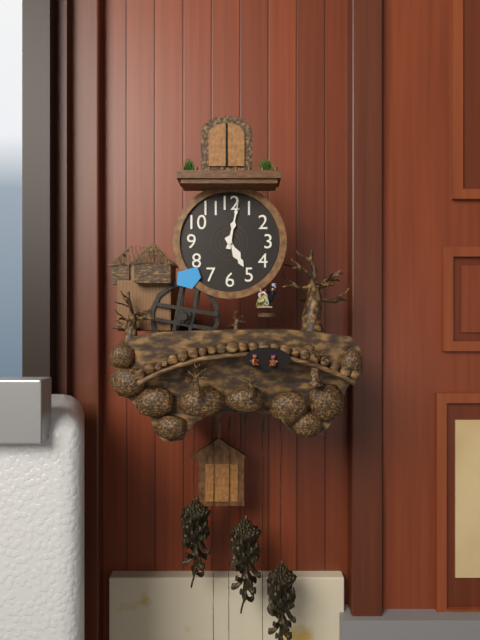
h=5 m=2
